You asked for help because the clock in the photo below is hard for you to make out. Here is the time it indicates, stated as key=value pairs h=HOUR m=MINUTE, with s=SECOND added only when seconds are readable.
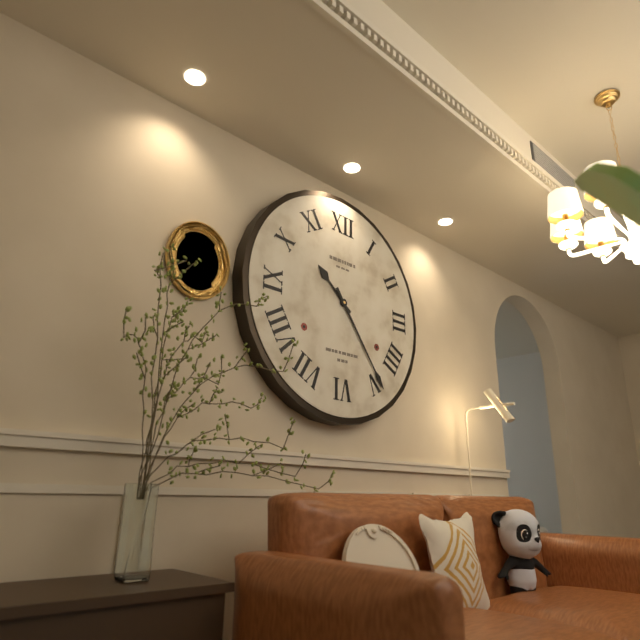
h=10 m=24
